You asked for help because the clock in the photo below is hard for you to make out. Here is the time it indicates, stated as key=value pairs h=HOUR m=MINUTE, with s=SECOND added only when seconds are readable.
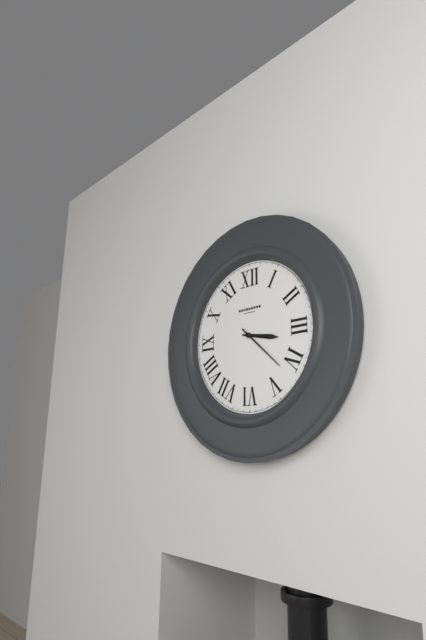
h=3 m=22
